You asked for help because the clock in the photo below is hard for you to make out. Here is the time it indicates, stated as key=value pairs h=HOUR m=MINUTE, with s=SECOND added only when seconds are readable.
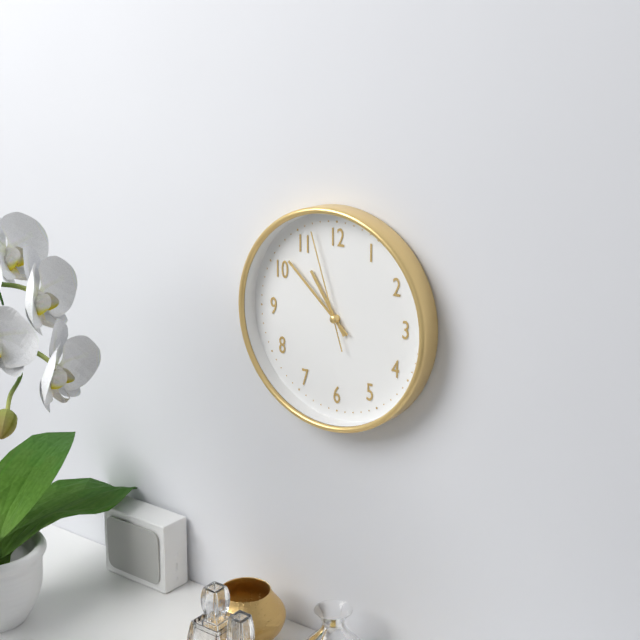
h=10 m=52 s=57
